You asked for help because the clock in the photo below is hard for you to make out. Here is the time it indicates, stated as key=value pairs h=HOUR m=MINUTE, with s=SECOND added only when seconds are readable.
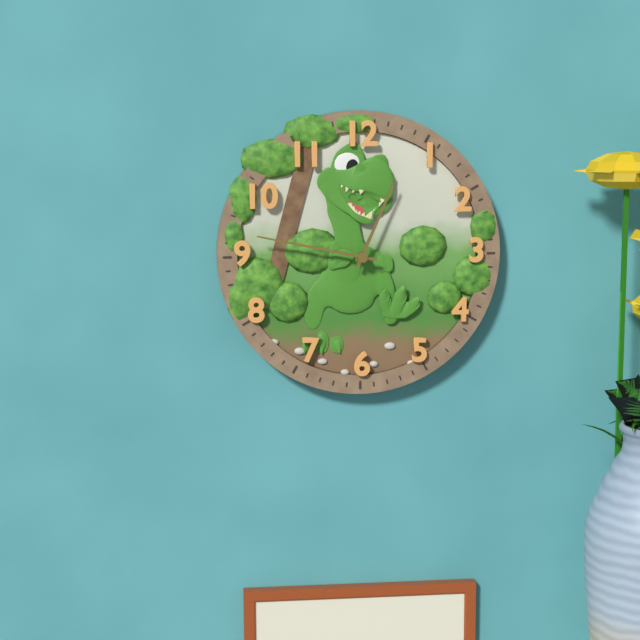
h=12 m=47
